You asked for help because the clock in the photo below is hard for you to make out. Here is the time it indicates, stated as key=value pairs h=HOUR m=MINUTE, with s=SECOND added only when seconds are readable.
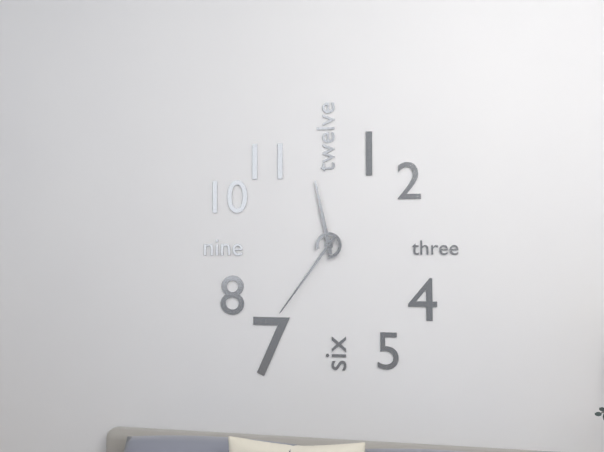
h=11 m=36
